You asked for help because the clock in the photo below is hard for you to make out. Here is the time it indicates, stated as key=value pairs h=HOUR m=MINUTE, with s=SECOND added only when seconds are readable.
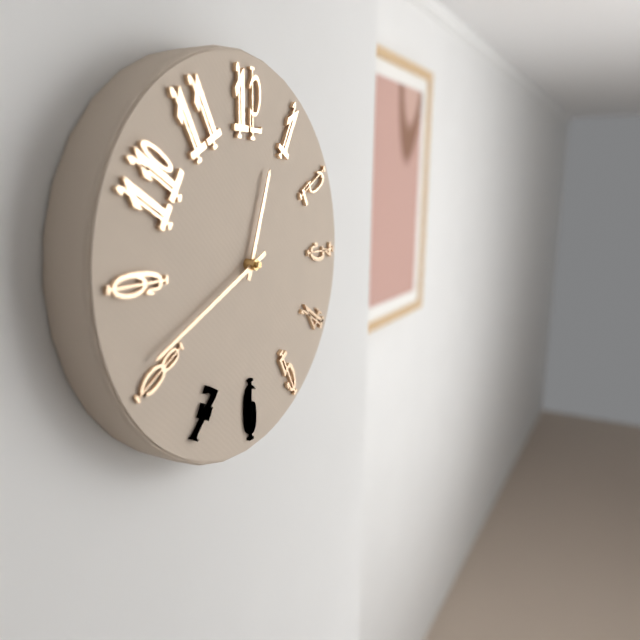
h=12 m=41
